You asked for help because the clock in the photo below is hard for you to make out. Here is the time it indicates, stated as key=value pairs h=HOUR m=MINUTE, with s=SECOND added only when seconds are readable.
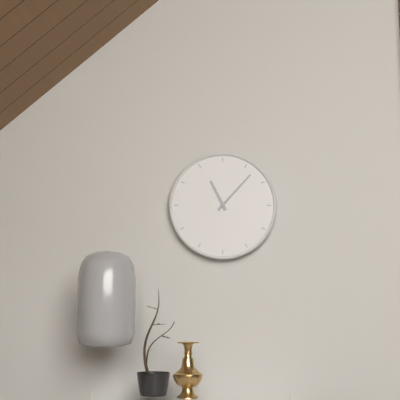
h=11 m=7
